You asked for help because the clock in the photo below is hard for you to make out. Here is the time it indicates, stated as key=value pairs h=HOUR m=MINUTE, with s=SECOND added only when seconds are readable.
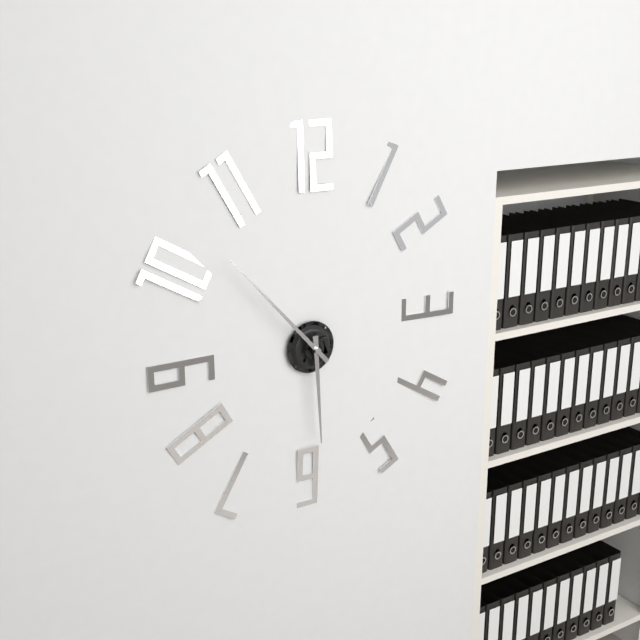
h=5 m=53
